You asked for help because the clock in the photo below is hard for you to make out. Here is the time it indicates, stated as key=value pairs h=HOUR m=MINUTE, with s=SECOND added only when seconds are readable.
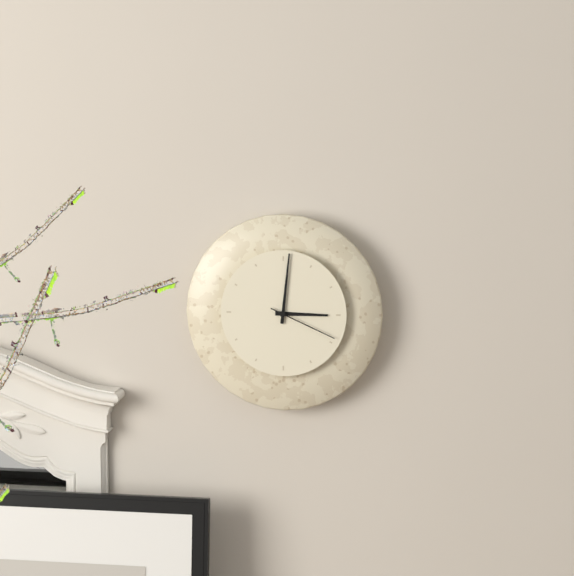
h=3 m=1 s=19
